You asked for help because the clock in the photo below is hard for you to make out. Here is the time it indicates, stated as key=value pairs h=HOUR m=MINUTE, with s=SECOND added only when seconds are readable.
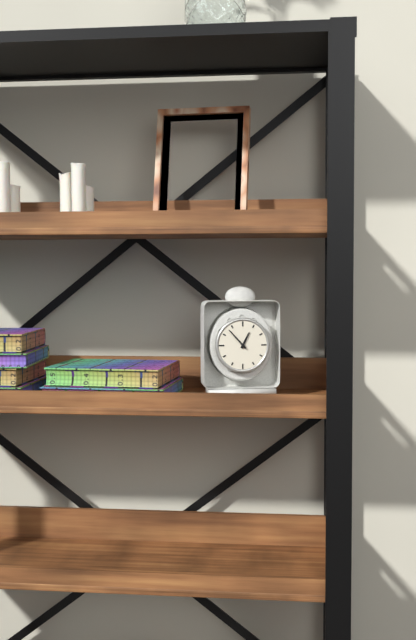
h=12 m=53
